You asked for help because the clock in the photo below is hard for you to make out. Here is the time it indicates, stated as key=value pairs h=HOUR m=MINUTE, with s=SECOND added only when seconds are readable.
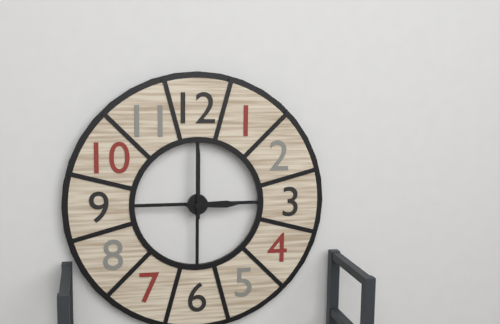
h=3 m=0
